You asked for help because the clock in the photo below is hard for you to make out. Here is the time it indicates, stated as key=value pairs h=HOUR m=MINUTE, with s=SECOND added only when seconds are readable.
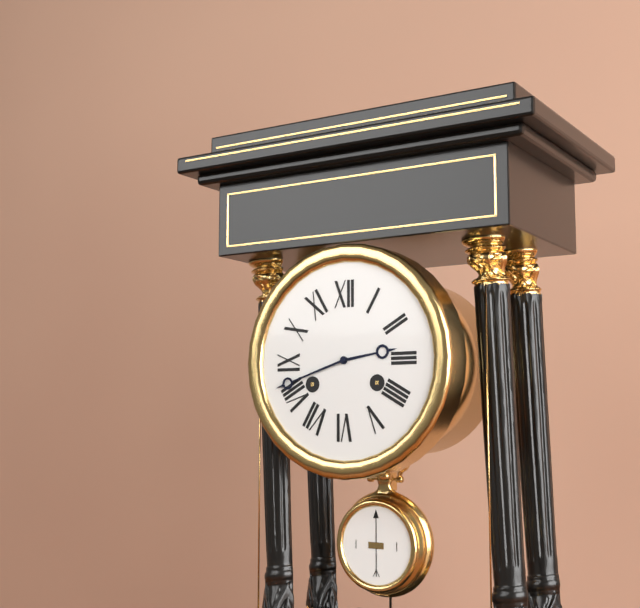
h=2 m=42
